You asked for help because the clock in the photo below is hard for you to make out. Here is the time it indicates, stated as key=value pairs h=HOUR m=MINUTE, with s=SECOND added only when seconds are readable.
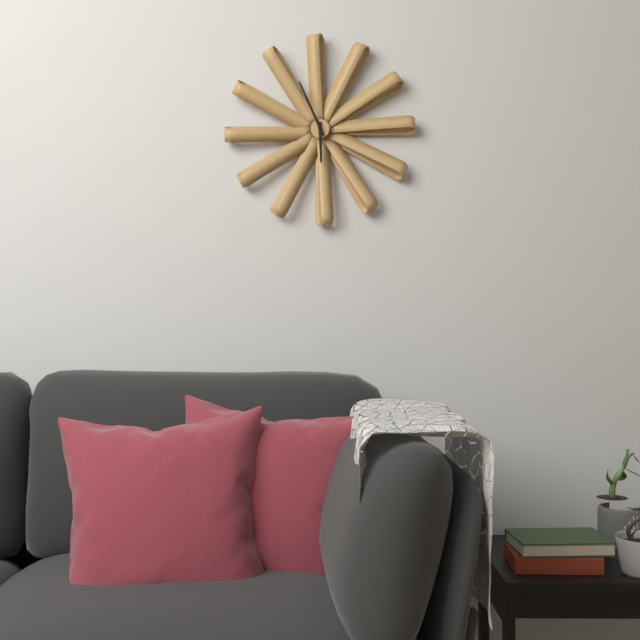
h=5 m=56
